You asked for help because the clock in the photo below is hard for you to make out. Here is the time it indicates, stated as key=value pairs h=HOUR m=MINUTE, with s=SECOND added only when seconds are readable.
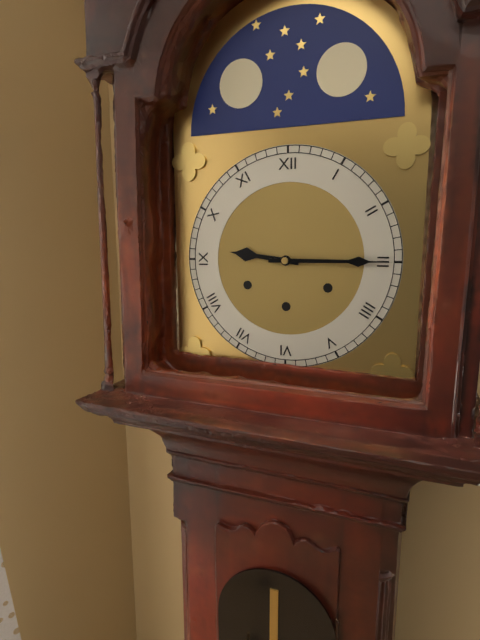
h=9 m=15
